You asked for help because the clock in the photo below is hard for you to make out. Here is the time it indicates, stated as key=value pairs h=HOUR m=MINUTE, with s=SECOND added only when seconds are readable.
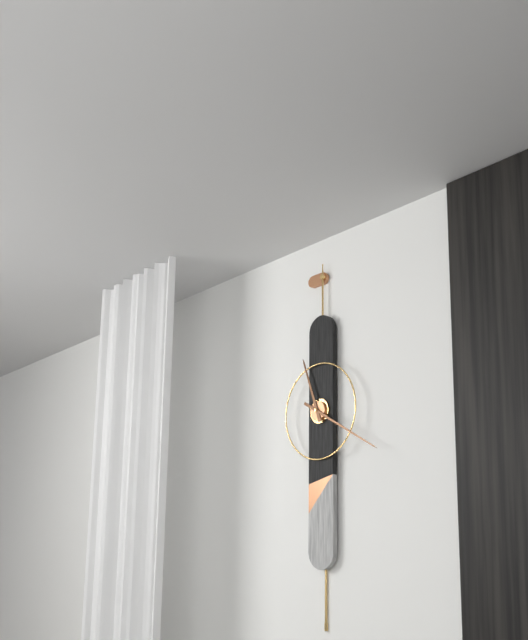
h=11 m=20
